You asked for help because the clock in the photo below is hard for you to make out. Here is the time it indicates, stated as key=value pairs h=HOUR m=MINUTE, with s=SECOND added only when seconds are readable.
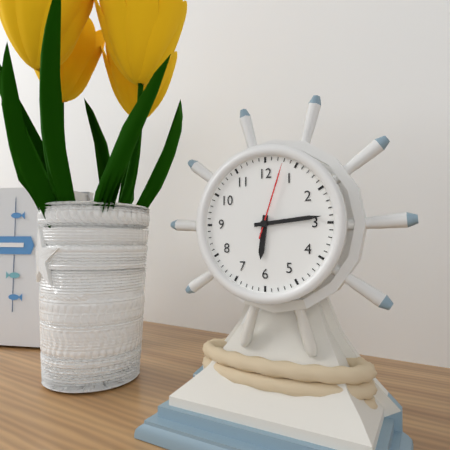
h=6 m=14 s=3
